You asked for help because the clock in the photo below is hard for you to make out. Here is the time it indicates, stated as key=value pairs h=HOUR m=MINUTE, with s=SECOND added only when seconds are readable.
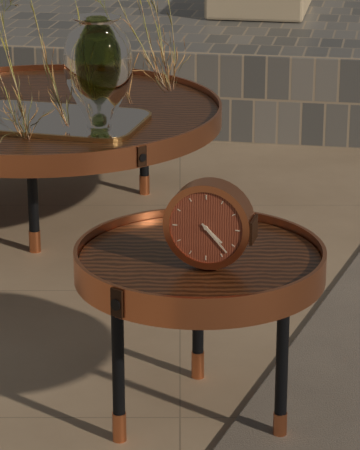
h=4 m=23
